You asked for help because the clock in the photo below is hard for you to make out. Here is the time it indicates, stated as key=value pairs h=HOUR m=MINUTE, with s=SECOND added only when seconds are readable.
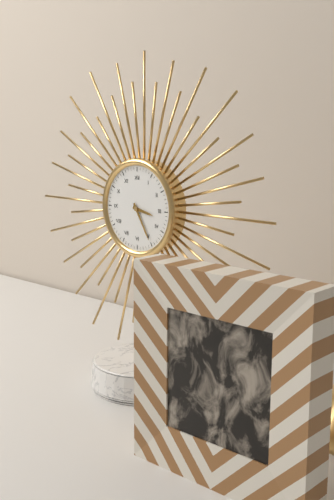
h=3 m=25
